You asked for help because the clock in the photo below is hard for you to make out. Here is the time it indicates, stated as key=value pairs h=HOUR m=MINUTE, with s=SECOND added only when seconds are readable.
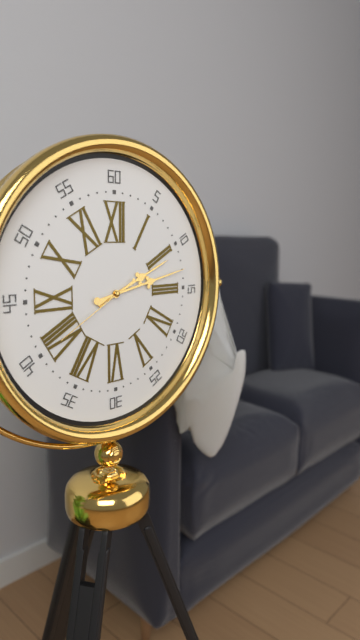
h=2 m=13 s=40
